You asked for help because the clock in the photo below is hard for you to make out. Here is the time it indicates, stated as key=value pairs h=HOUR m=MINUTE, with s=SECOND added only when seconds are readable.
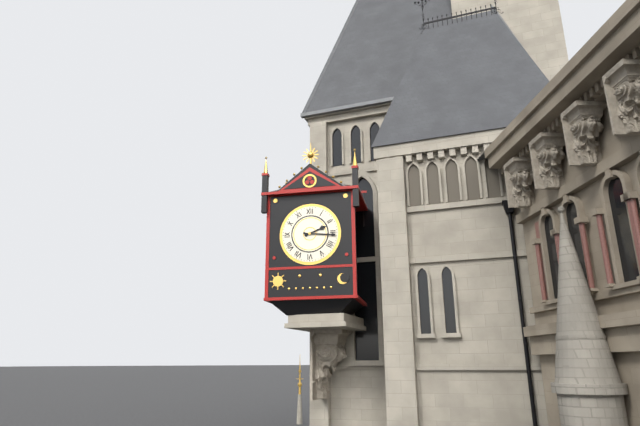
h=2 m=16
